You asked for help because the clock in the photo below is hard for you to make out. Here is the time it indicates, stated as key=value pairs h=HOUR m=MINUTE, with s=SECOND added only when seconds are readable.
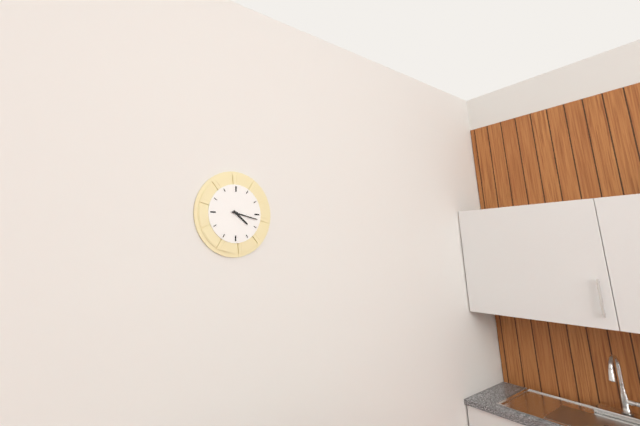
h=4 m=17
